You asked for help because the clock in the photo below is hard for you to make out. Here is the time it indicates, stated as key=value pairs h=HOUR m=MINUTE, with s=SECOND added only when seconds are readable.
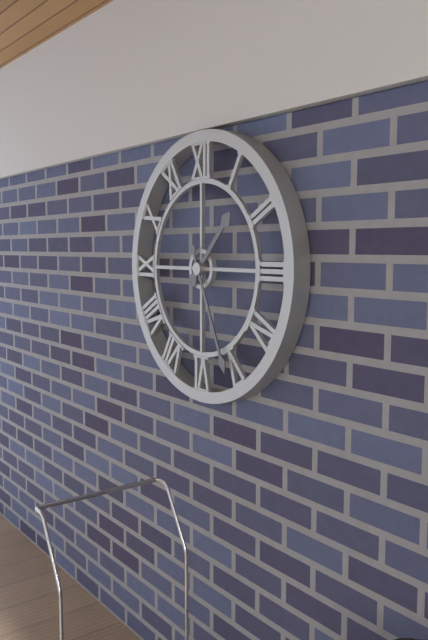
h=1 m=26
